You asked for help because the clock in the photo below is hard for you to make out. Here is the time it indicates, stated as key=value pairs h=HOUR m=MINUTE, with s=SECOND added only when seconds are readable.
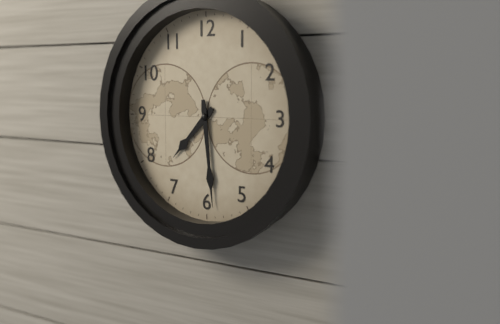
h=7 m=29
